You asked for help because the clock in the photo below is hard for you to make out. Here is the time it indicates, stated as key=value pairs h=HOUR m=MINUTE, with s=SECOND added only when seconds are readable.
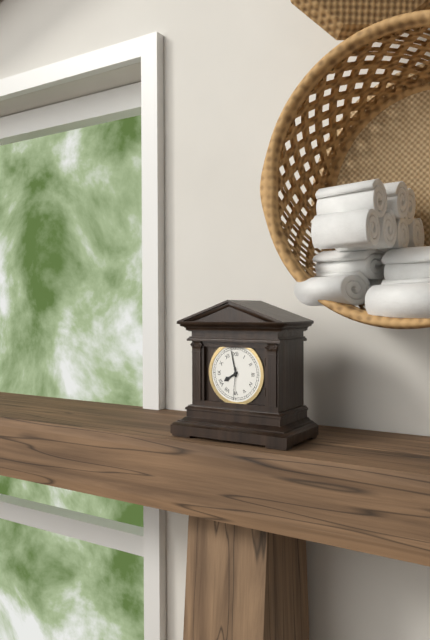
h=7 m=58
